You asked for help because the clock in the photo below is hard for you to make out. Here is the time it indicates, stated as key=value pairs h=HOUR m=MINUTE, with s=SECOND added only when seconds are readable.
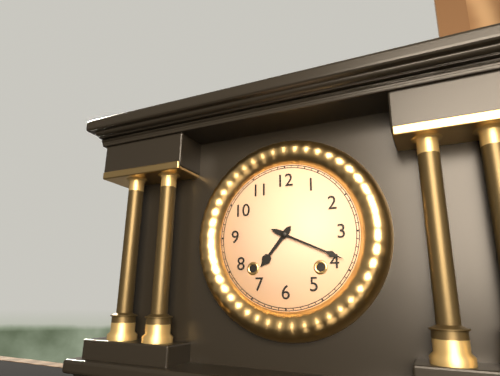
h=7 m=19
